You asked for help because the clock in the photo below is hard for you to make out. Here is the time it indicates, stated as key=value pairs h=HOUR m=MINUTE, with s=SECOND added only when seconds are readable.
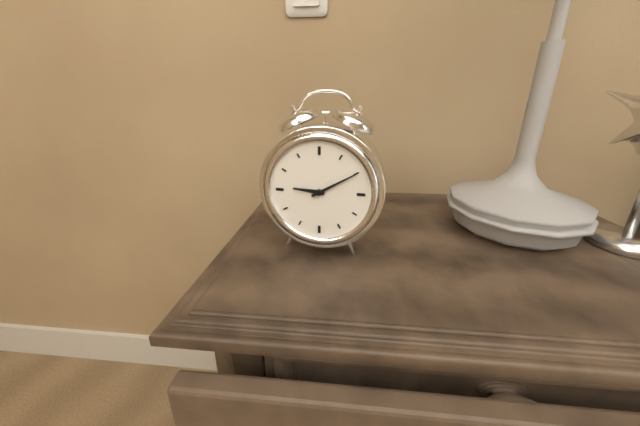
h=9 m=10
